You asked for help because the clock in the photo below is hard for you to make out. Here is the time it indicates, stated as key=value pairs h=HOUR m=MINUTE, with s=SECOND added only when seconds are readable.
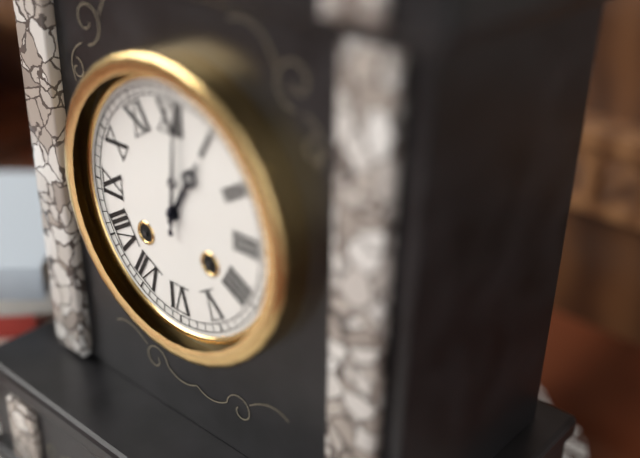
h=1 m=1
